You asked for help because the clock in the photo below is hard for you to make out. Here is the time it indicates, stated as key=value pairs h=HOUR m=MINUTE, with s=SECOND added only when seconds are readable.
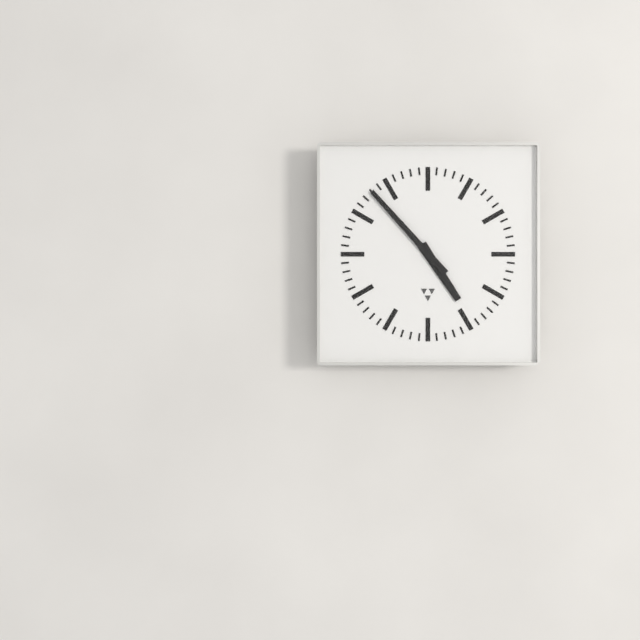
h=4 m=53
